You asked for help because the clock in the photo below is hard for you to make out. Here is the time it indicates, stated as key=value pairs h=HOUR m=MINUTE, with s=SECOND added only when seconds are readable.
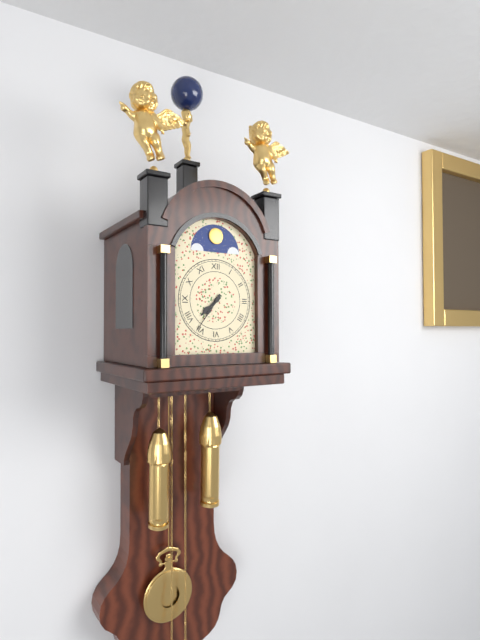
h=7 m=36
